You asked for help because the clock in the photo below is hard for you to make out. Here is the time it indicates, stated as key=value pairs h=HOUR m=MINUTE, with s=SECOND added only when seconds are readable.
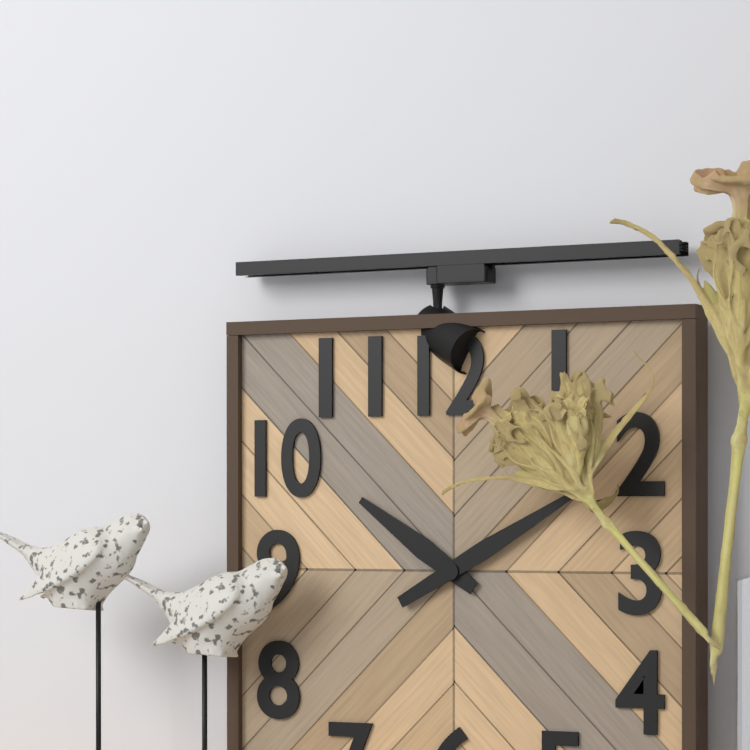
h=10 m=10
